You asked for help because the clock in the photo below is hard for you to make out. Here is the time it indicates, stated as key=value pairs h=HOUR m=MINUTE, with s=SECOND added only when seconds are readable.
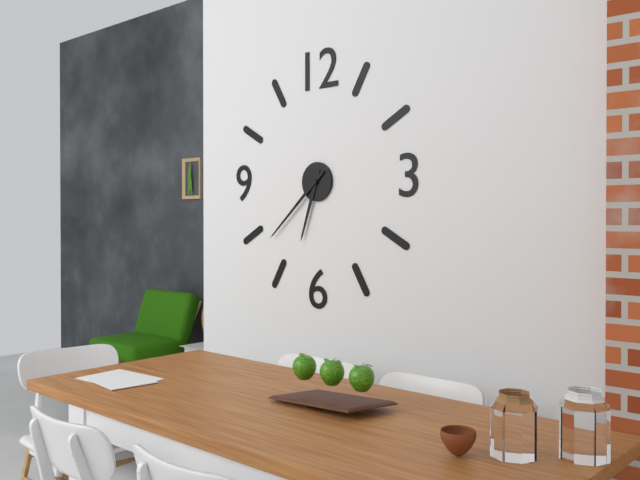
h=6 m=38
